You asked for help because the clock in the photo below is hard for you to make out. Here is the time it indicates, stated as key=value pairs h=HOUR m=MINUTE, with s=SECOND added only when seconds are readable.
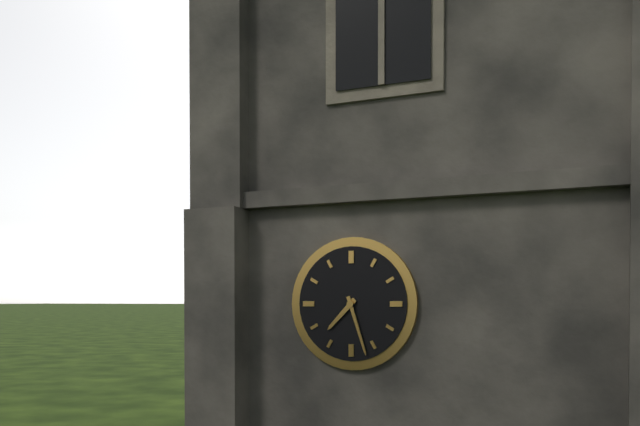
h=7 m=27
